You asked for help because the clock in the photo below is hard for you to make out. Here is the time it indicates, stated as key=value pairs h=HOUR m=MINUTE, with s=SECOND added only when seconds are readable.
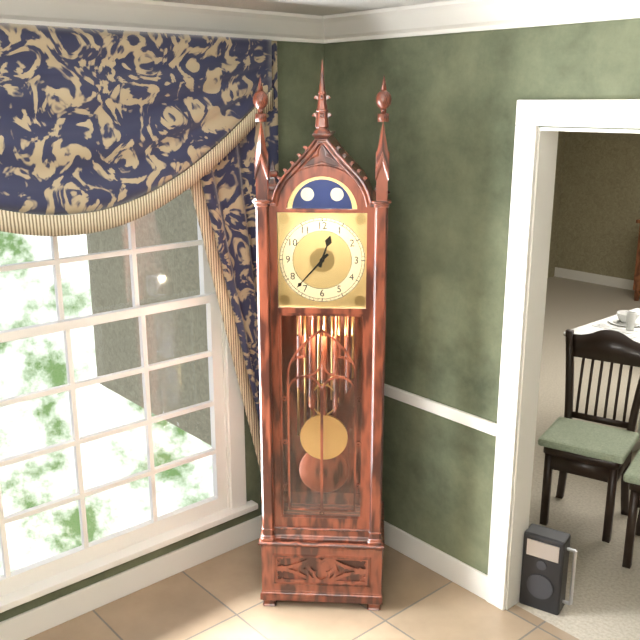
h=12 m=37
